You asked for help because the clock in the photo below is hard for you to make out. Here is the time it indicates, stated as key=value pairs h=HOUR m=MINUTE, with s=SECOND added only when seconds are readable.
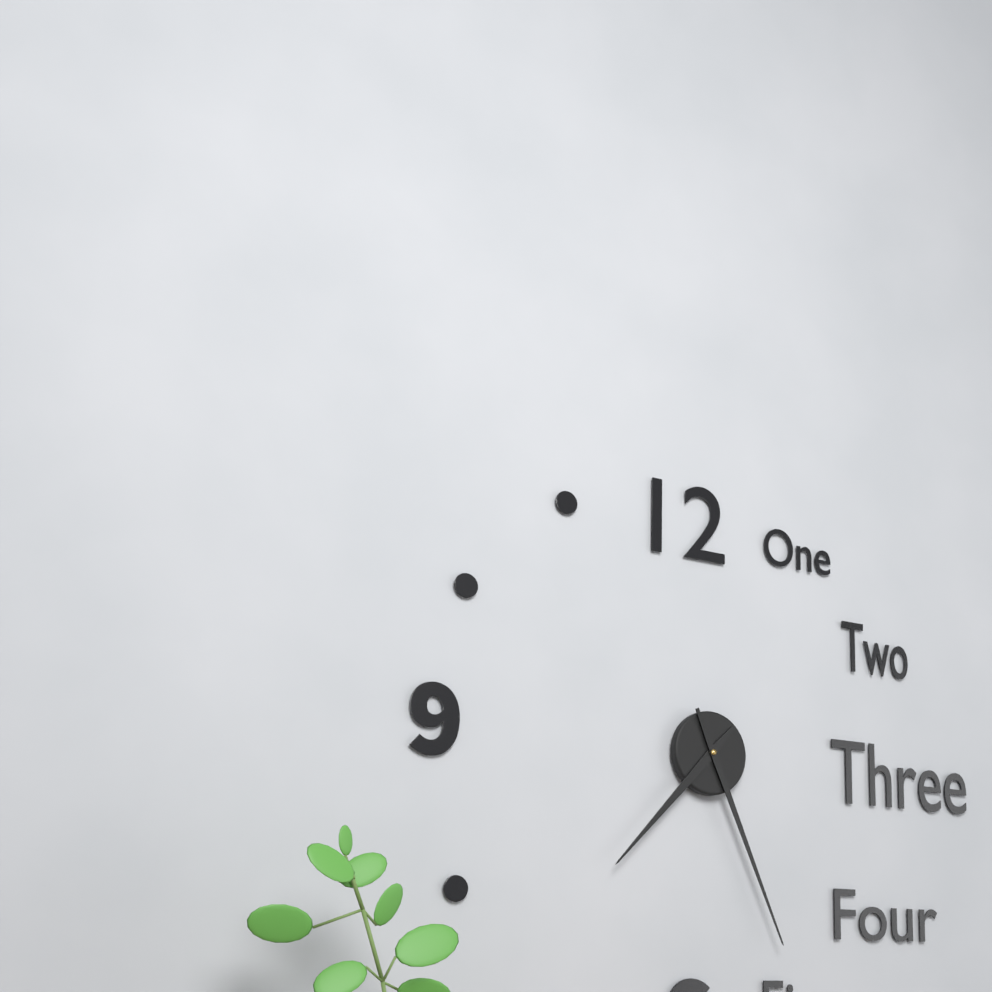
h=7 m=26
